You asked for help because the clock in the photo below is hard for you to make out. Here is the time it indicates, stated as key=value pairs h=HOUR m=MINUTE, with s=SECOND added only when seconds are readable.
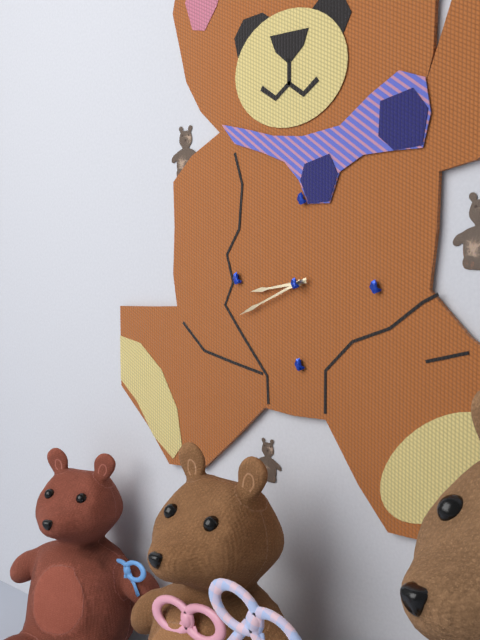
h=8 m=41
